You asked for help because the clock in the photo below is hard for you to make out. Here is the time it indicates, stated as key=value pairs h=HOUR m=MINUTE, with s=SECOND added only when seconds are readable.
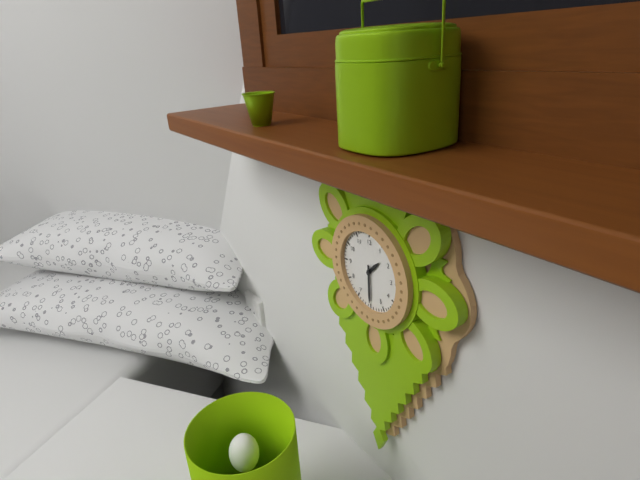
h=1 m=30
